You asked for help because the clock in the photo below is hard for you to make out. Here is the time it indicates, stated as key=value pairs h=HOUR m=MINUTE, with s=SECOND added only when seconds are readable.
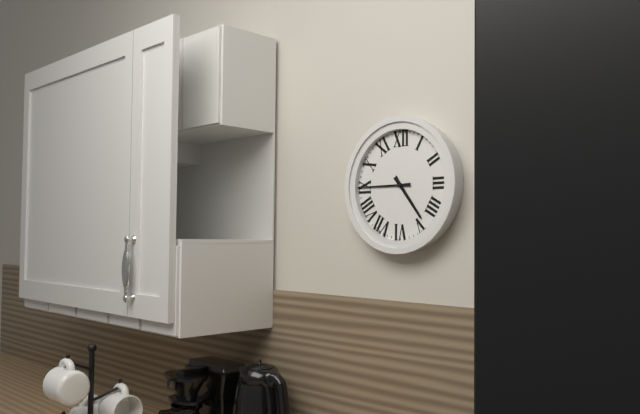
h=4 m=45
